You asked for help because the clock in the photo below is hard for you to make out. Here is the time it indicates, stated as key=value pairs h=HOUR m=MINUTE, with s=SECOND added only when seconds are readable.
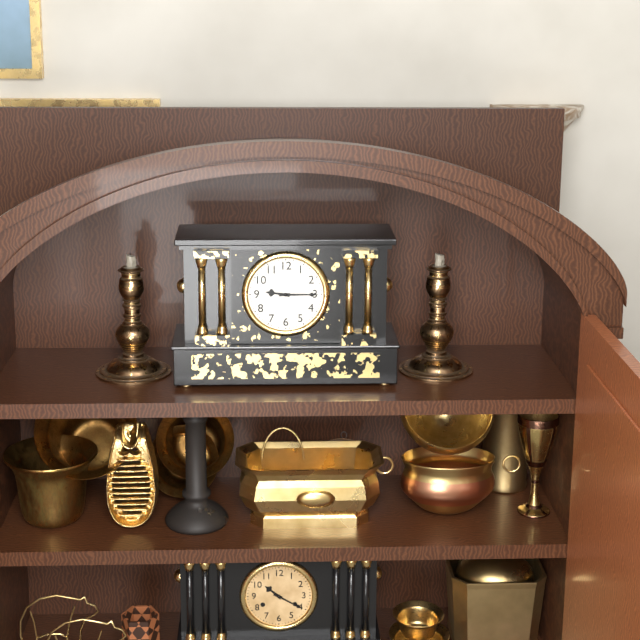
h=9 m=15
